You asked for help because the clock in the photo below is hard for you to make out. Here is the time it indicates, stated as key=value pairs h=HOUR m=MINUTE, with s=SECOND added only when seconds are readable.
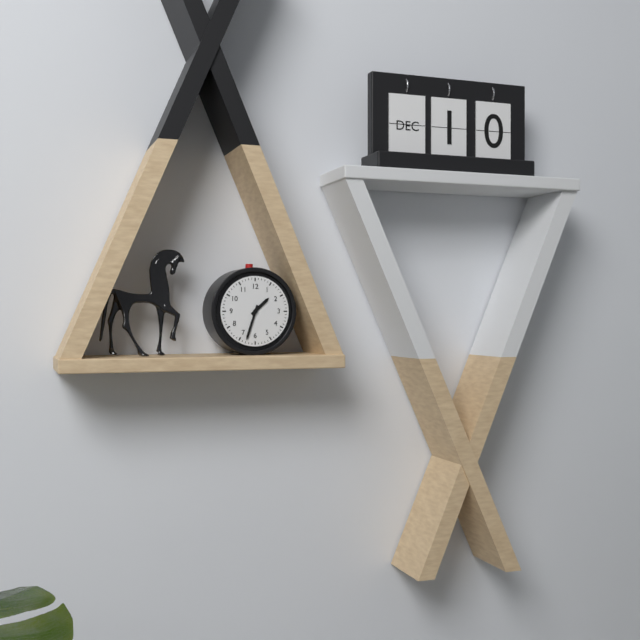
h=1 m=33
